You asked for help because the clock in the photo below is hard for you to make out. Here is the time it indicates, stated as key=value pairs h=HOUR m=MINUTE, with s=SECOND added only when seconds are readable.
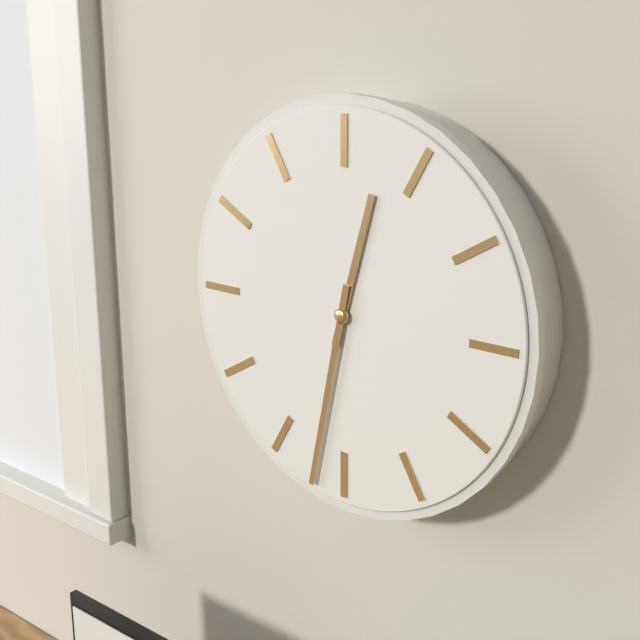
h=12 m=32
